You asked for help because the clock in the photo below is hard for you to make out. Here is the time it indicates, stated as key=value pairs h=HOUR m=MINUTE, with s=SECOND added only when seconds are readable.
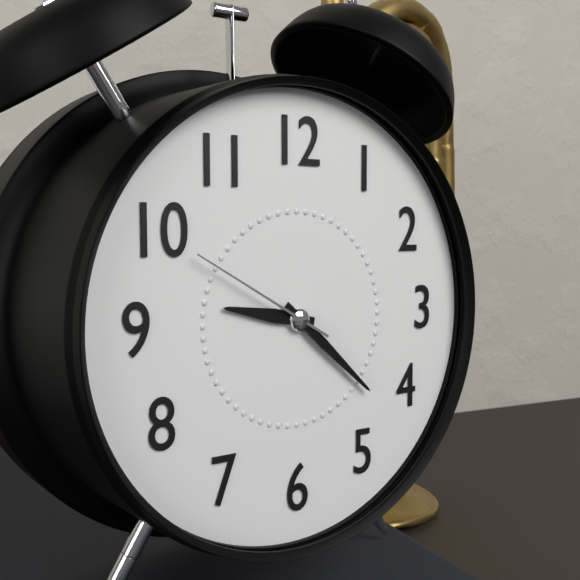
h=9 m=22 s=50
